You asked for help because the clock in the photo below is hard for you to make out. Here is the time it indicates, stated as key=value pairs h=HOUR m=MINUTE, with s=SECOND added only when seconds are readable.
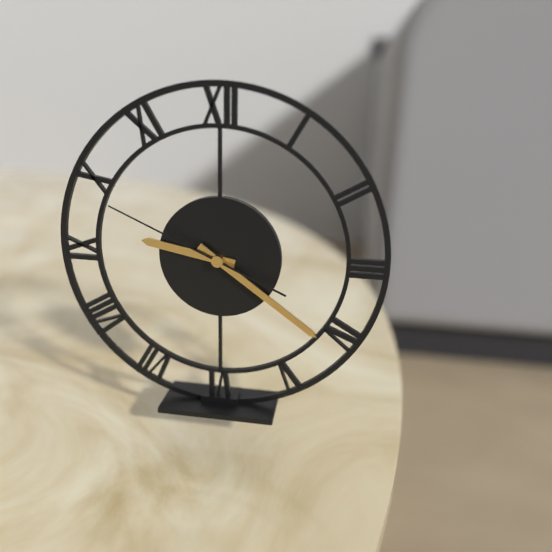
h=9 m=21 s=49
